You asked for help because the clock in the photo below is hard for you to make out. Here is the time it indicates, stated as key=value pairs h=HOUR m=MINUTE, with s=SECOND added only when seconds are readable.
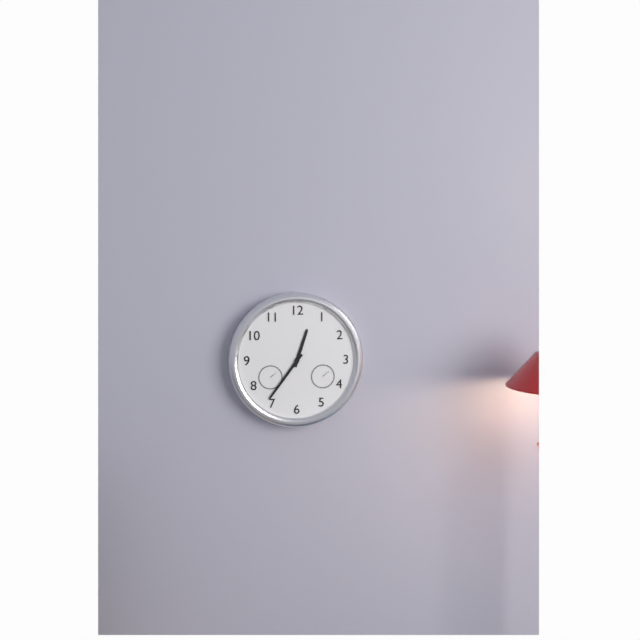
h=12 m=36
